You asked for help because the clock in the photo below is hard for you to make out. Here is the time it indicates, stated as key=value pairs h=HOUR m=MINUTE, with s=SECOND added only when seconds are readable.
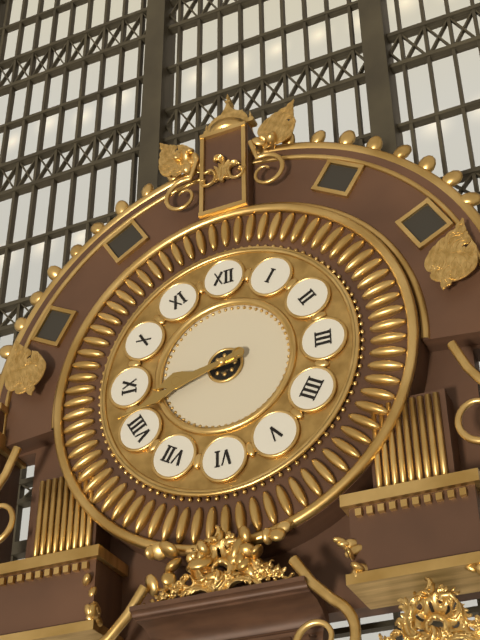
h=8 m=42
